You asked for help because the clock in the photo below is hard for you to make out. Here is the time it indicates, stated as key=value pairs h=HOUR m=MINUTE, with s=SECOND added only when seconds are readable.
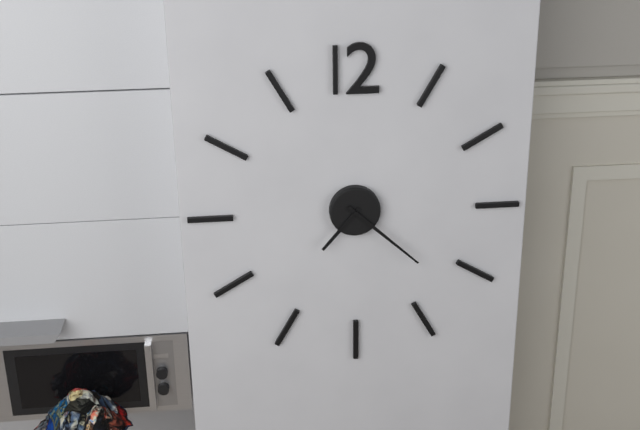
h=7 m=22
